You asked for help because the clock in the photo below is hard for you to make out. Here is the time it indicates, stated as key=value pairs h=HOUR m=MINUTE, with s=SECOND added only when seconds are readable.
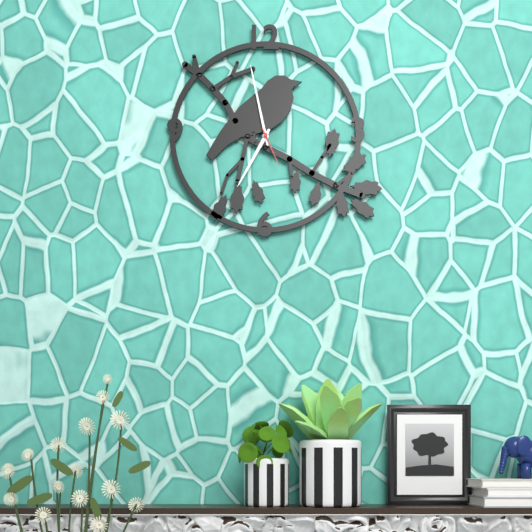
h=6 m=58
